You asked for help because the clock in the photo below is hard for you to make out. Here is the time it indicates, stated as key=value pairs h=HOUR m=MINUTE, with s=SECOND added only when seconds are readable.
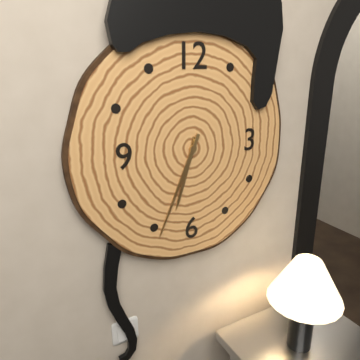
h=6 m=34
